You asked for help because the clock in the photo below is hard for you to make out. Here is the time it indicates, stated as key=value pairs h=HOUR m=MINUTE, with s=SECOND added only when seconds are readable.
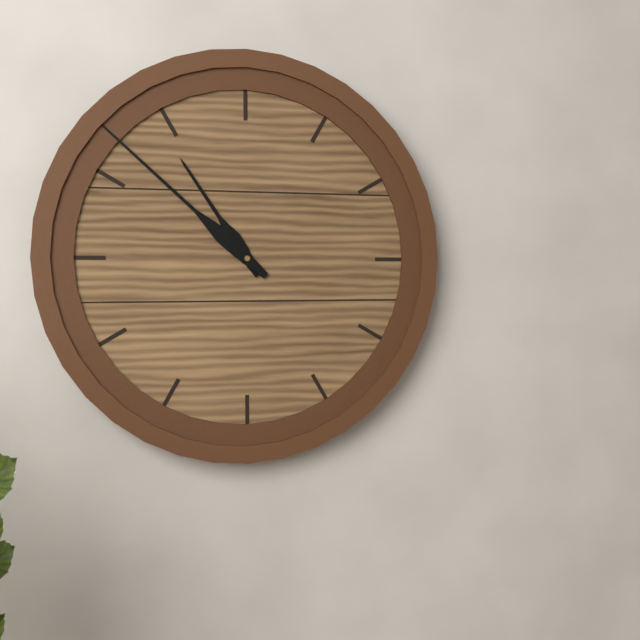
h=10 m=52
